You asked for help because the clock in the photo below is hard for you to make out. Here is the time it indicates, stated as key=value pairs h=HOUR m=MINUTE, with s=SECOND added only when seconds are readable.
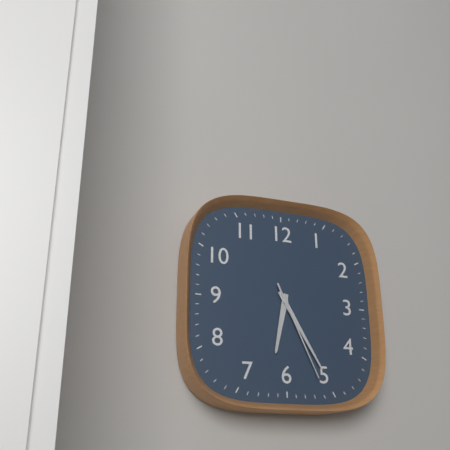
h=6 m=25 s=26
